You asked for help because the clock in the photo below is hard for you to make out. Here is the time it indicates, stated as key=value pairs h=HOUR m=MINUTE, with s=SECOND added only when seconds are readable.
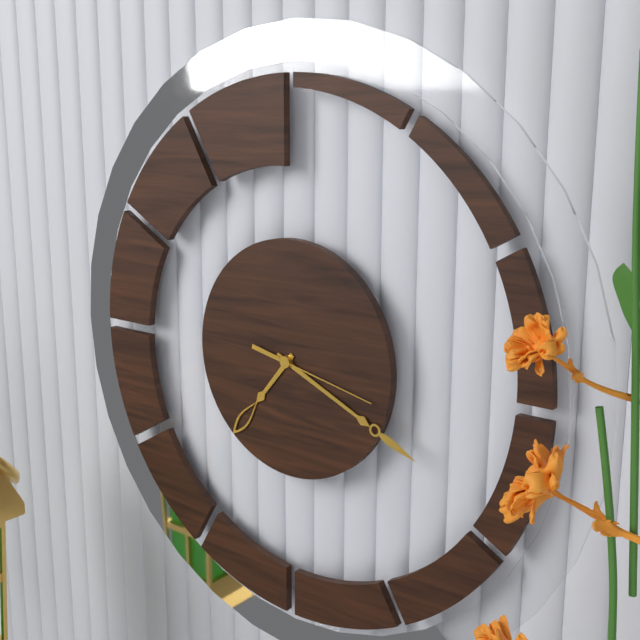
h=7 m=19 s=17
